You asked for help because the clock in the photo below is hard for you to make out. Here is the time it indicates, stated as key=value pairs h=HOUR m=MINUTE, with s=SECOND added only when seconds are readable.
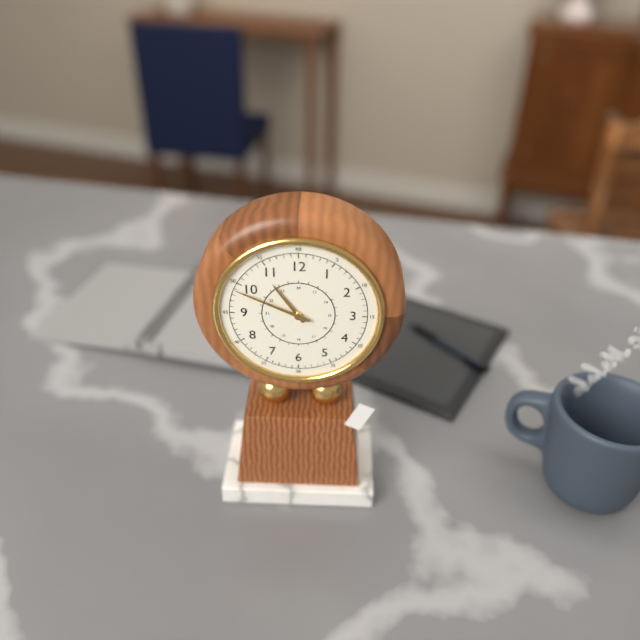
h=10 m=49
